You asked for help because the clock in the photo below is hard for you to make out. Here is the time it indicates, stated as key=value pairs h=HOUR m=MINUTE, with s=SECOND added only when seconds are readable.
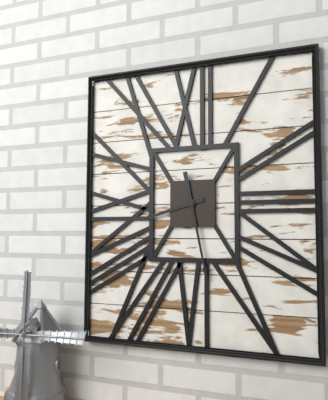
h=8 m=28
